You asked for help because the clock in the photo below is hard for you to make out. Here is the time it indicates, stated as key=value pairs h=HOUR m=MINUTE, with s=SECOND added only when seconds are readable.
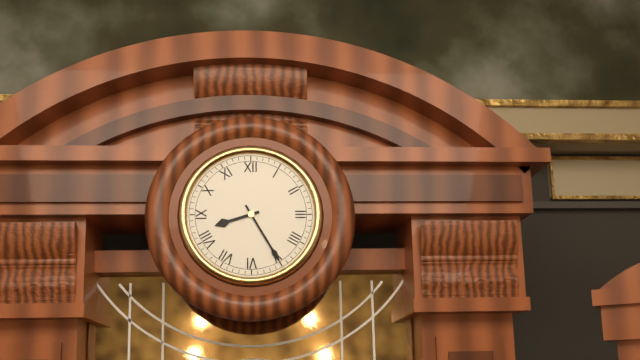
h=8 m=25
